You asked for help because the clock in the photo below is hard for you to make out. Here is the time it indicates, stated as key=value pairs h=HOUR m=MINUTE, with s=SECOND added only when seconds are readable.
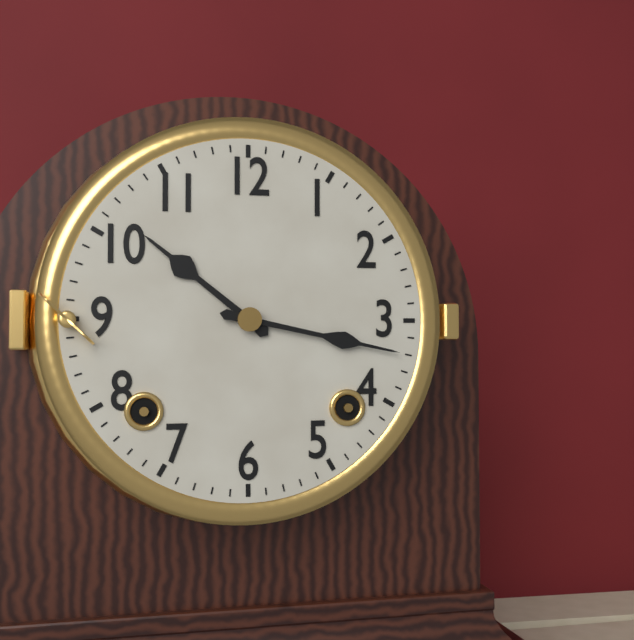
h=10 m=17
